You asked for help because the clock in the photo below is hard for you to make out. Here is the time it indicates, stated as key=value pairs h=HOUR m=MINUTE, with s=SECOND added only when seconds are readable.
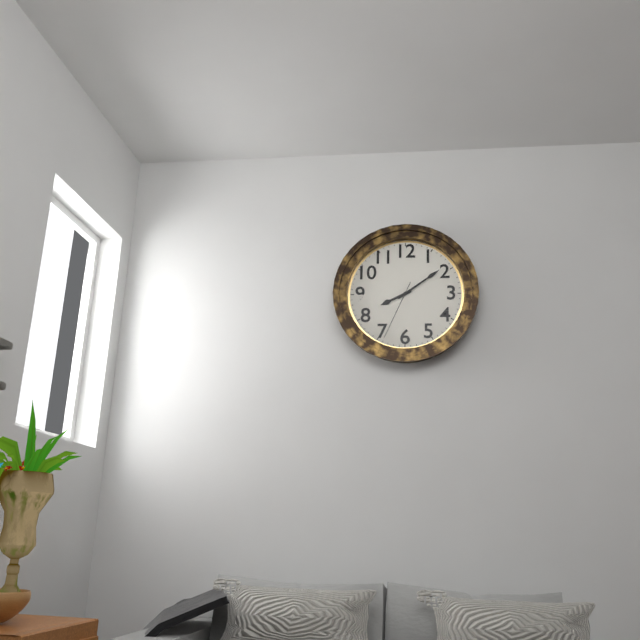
h=8 m=9 s=34
